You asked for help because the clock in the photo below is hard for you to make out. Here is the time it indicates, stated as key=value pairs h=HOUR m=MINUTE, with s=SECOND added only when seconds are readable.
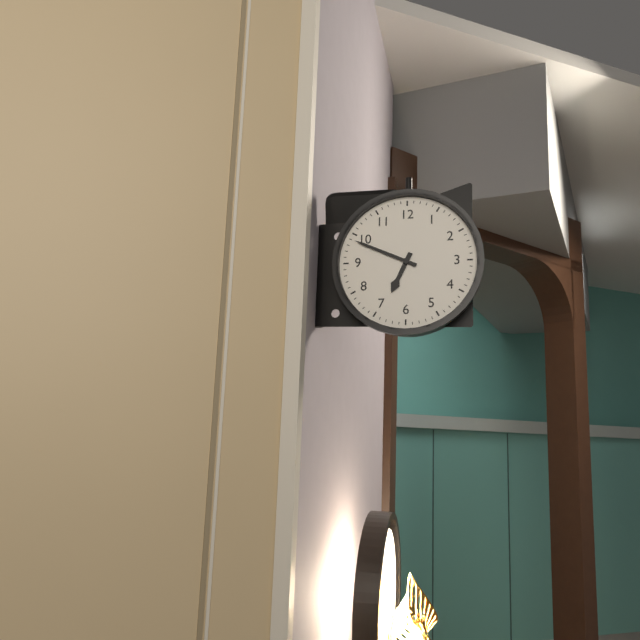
h=6 m=49
